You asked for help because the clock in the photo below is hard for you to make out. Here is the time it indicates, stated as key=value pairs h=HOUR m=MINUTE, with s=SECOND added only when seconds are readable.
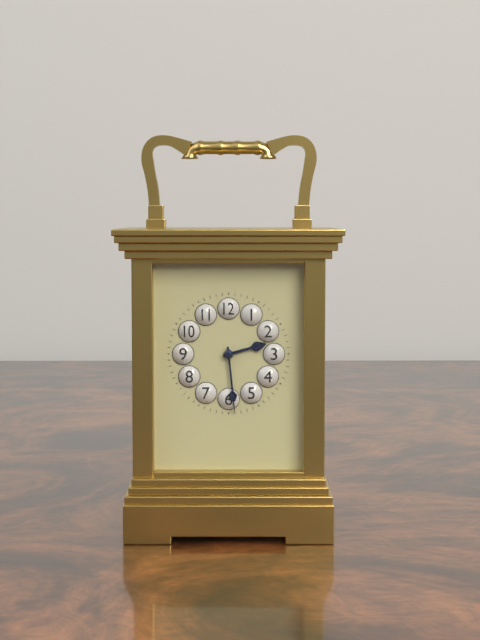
h=2 m=29
